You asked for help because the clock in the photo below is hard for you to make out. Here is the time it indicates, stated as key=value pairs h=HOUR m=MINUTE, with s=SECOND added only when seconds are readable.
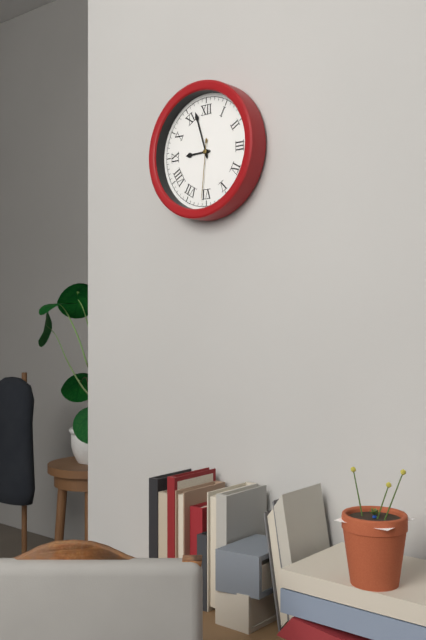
h=8 m=57 s=31
